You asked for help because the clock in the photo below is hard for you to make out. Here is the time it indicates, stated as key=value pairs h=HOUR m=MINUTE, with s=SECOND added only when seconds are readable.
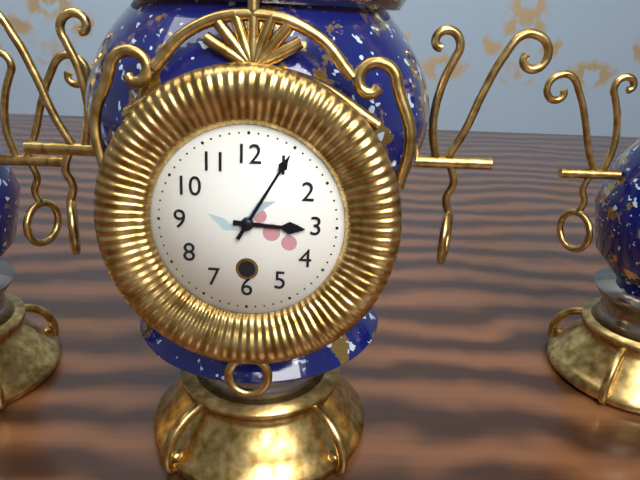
h=3 m=5
